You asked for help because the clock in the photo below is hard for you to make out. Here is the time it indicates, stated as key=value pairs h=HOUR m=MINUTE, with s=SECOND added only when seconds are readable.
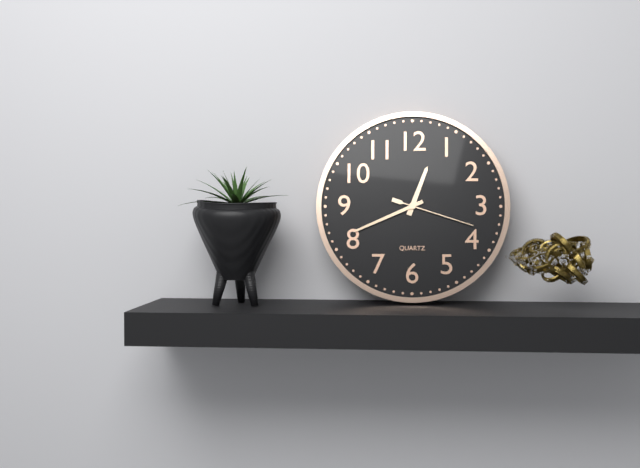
h=12 m=41 s=18
